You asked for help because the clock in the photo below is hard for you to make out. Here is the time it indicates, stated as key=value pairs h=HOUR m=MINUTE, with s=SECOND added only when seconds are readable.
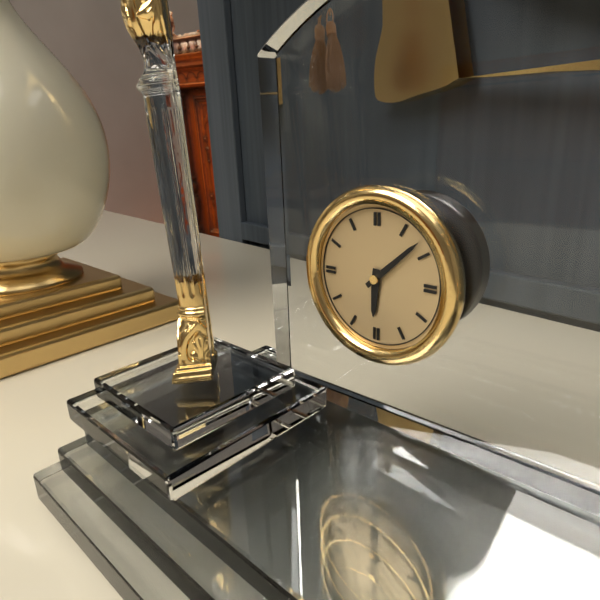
h=6 m=8
